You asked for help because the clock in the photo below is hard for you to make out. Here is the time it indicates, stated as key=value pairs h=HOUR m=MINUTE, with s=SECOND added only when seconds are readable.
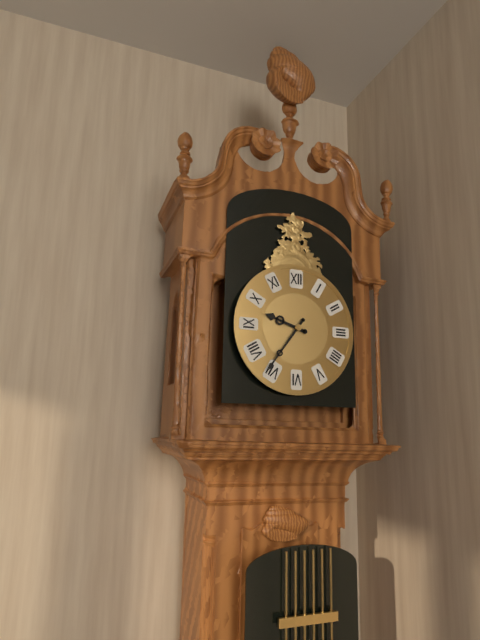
h=9 m=36
